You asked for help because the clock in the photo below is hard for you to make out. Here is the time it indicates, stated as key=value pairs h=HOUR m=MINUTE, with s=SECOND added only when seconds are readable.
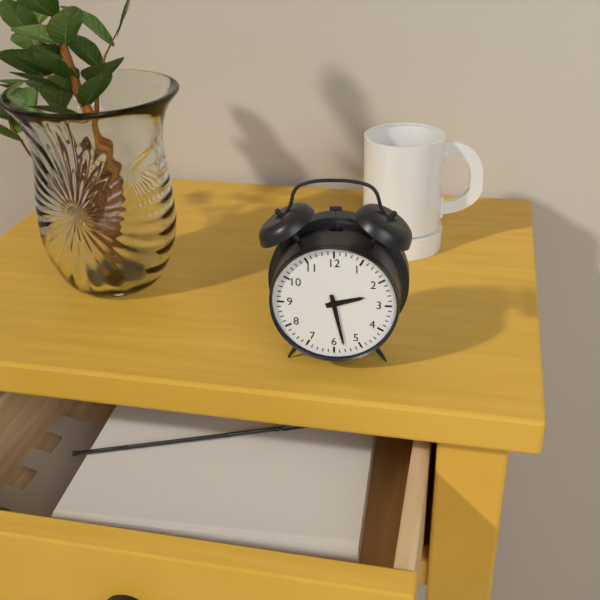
h=2 m=28
